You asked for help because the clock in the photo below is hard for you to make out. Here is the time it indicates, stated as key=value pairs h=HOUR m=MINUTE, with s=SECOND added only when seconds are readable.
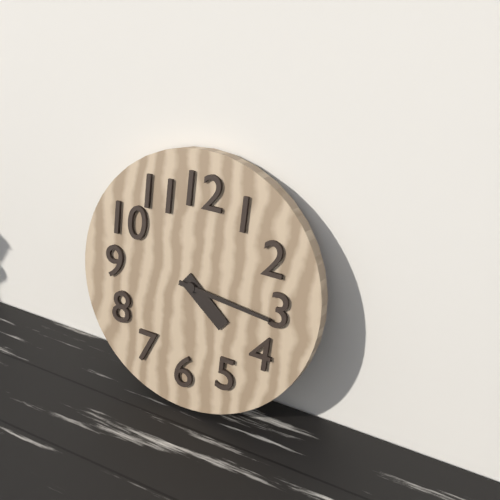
h=4 m=16
